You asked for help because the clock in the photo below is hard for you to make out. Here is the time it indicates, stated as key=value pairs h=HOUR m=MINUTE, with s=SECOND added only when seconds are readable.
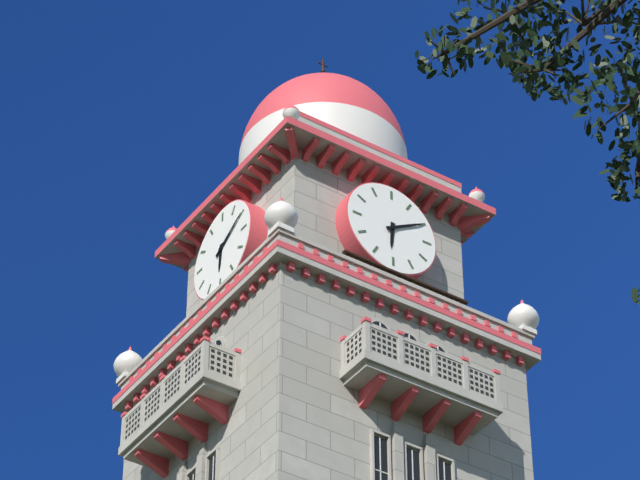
h=6 m=10
